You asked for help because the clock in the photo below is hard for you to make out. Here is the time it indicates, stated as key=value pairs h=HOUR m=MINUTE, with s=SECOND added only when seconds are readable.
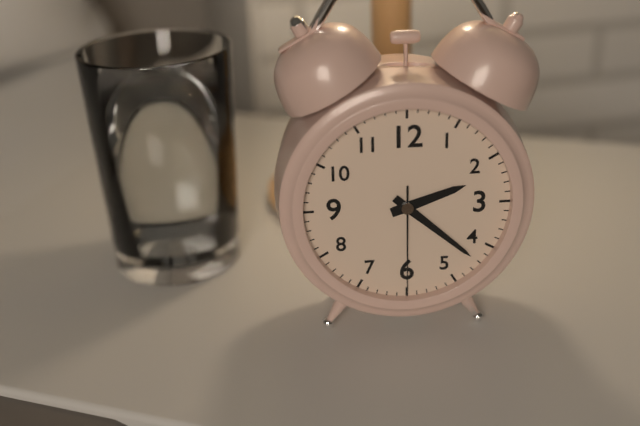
h=2 m=22 s=30
